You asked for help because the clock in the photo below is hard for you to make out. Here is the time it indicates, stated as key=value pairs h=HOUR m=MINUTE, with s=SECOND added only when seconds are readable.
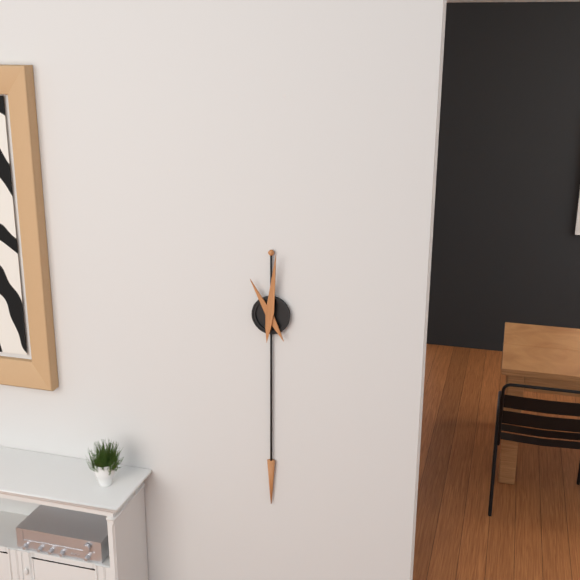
h=11 m=1
